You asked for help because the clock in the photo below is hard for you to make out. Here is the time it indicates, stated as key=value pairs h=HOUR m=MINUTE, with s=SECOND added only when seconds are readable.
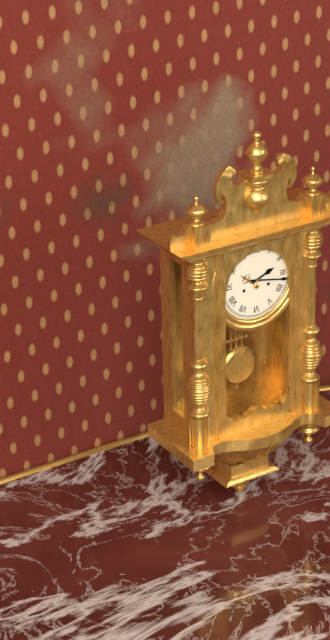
h=2 m=17
